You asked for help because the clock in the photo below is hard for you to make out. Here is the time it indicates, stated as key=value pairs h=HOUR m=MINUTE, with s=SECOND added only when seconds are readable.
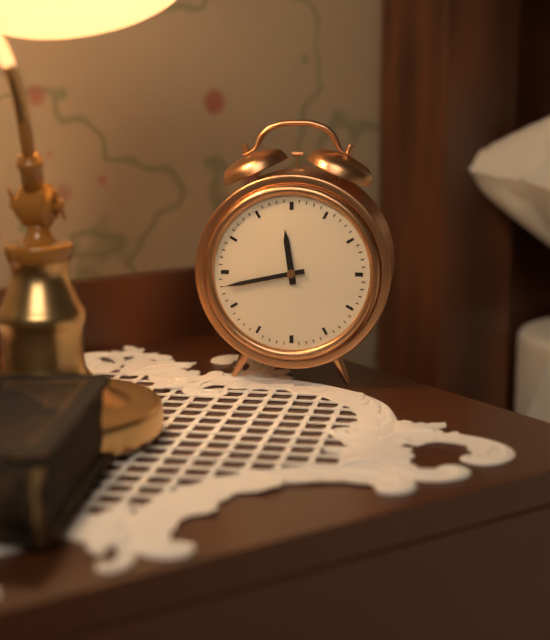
h=11 m=43
